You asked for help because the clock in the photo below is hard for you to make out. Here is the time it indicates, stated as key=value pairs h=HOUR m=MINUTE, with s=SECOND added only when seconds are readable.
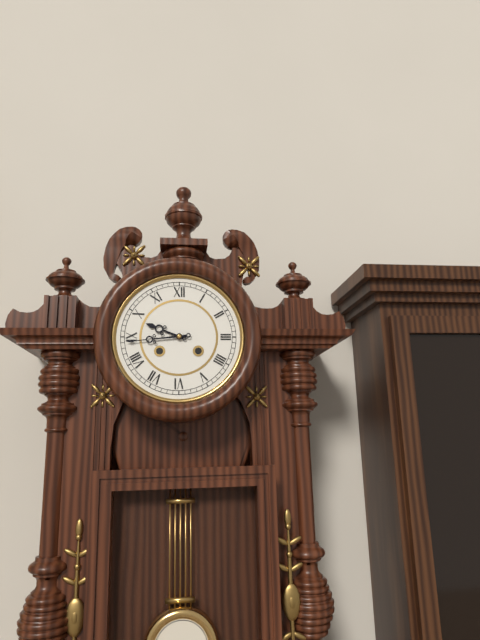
h=9 m=44
